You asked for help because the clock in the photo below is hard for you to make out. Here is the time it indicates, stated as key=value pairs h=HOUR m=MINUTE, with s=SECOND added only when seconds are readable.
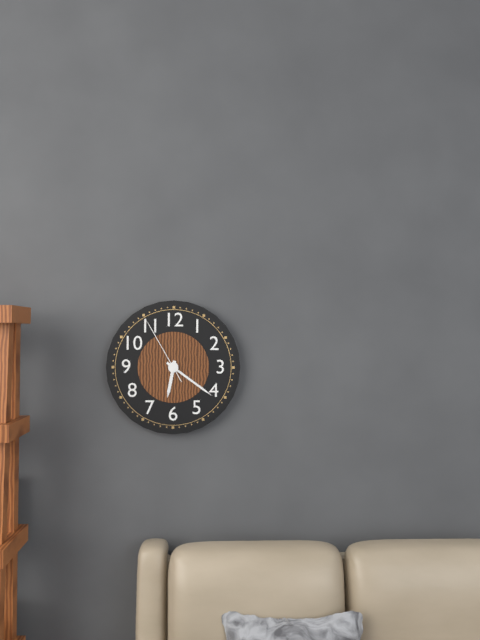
h=6 m=21 s=55
